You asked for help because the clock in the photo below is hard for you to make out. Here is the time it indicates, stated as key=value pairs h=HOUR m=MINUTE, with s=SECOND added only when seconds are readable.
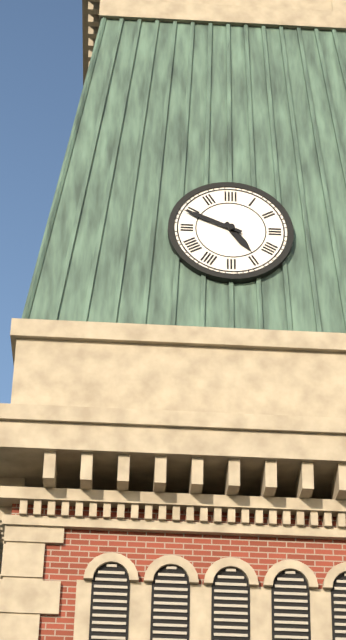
h=4 m=49
